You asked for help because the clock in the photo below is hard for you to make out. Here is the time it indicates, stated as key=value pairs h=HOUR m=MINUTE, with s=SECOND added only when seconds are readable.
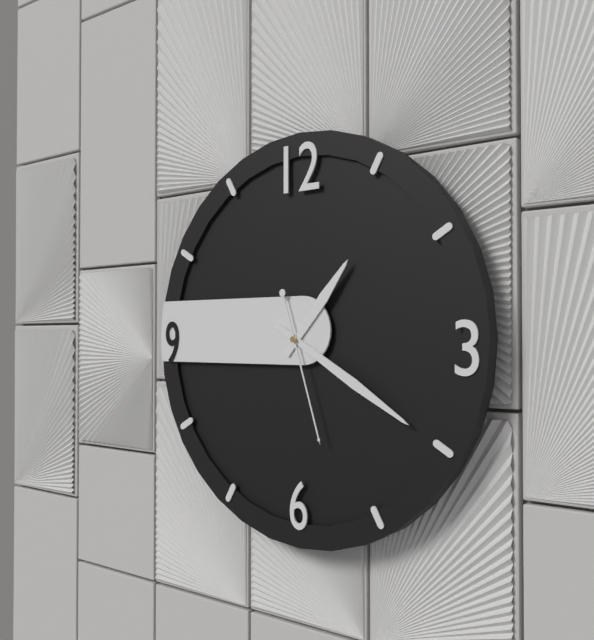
h=1 m=20 s=27
